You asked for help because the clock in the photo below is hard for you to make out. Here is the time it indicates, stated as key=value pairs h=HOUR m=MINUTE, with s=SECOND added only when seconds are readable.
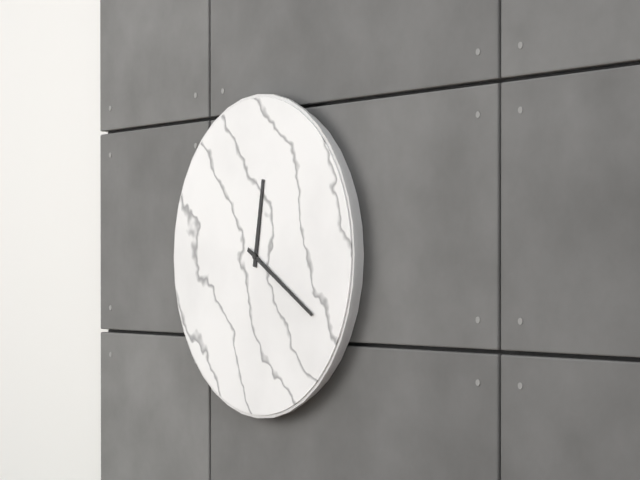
h=12 m=20
